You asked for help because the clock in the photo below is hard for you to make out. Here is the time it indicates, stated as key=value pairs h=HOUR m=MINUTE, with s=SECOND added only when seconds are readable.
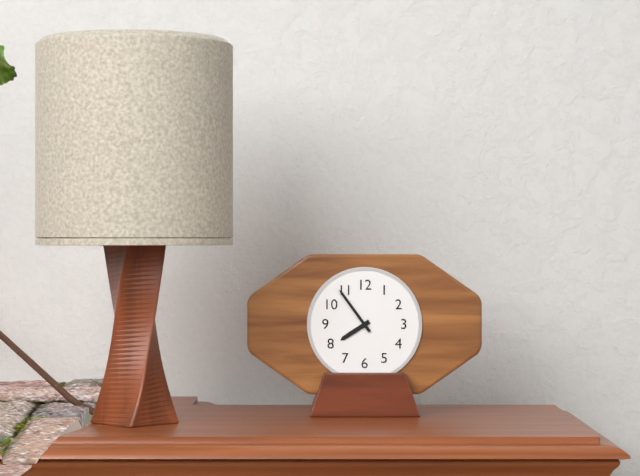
h=7 m=54
